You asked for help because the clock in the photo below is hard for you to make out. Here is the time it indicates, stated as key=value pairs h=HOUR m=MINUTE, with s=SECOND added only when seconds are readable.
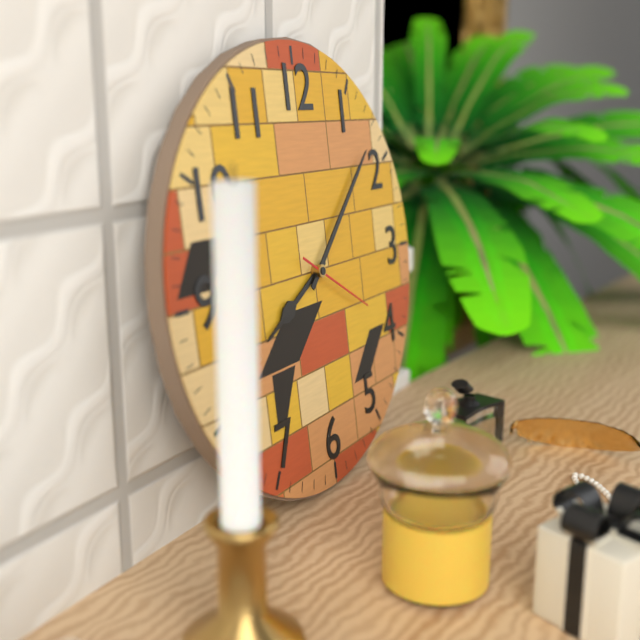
h=8 m=8 s=20
